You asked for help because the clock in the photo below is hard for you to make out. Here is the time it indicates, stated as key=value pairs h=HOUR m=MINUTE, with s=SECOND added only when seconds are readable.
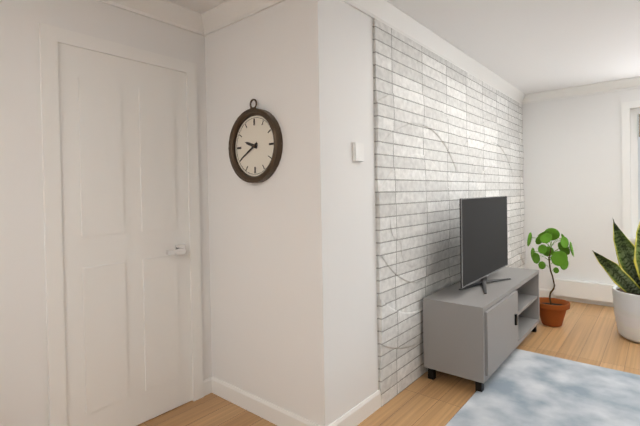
h=9 m=40
